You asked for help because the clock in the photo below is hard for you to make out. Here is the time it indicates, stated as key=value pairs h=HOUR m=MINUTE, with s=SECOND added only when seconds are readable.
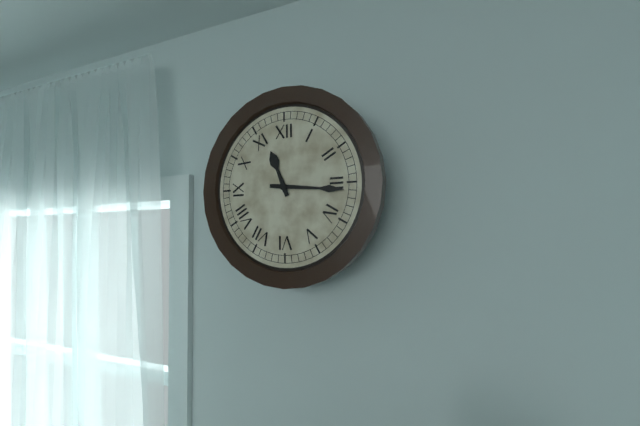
h=11 m=16
